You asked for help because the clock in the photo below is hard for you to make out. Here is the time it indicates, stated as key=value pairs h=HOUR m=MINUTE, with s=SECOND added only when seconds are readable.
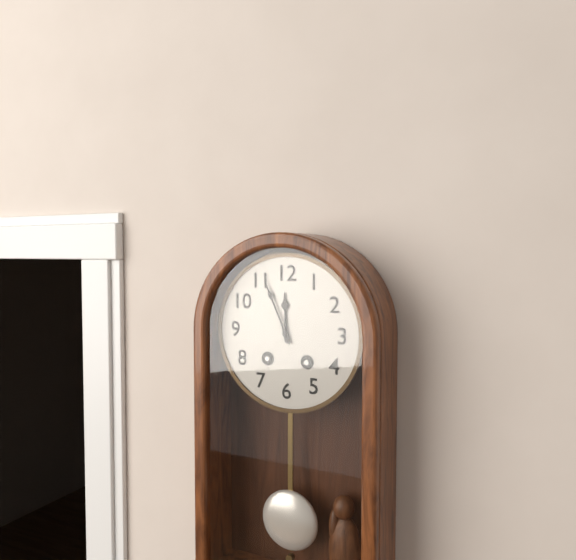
h=11 m=56
